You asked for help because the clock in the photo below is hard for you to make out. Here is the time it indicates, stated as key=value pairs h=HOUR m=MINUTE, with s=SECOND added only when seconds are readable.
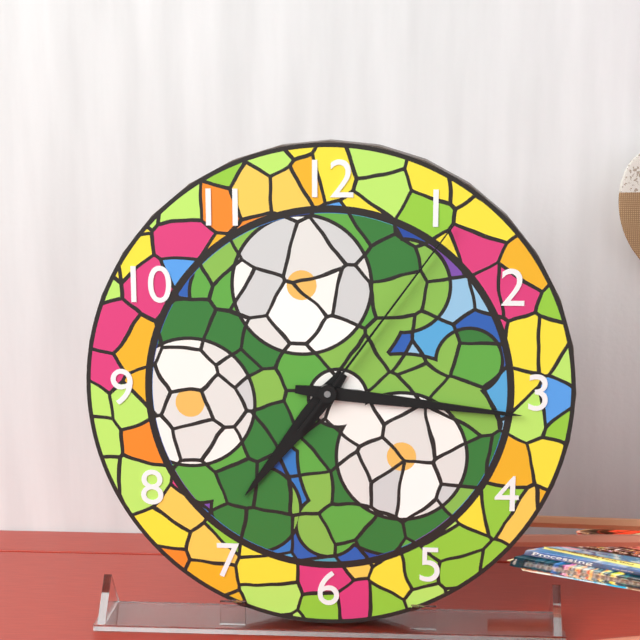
h=7 m=16 s=6
